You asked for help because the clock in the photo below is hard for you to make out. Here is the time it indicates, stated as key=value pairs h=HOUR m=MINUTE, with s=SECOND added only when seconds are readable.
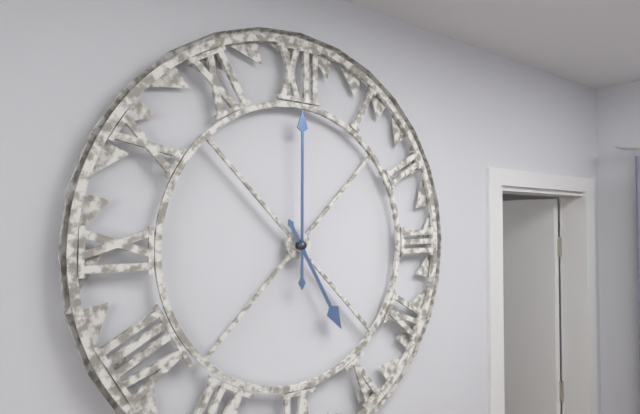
h=5 m=0
